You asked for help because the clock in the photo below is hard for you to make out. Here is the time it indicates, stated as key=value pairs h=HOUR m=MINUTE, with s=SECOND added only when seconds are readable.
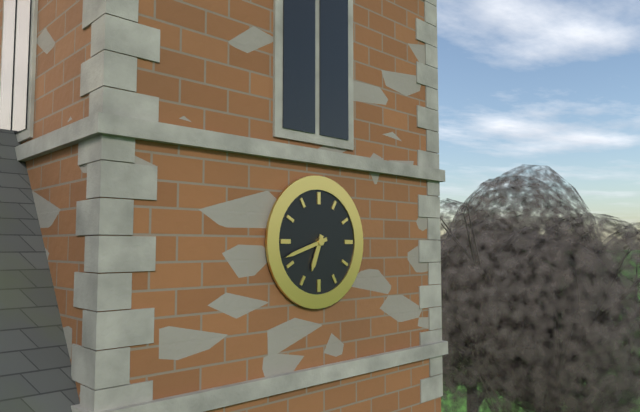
h=6 m=42
